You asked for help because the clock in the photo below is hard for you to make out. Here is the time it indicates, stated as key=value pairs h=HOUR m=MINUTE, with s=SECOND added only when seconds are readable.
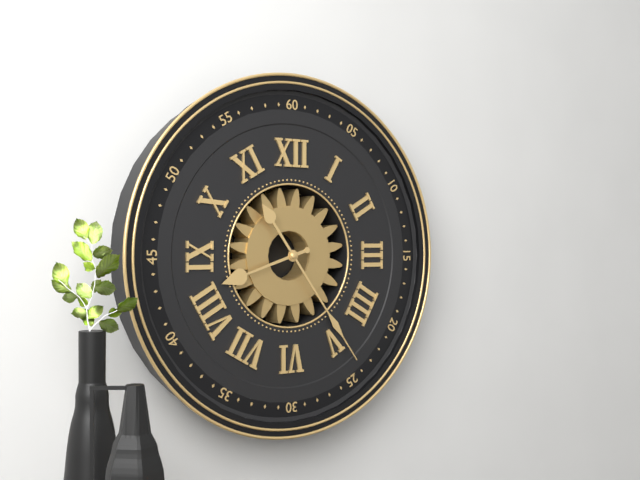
h=8 m=24
